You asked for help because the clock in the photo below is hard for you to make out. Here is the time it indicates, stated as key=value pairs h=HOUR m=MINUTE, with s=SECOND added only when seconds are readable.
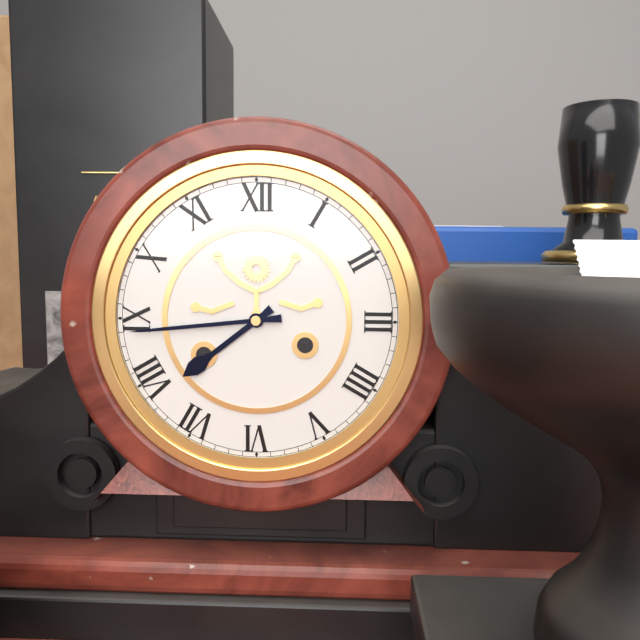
h=7 m=44
